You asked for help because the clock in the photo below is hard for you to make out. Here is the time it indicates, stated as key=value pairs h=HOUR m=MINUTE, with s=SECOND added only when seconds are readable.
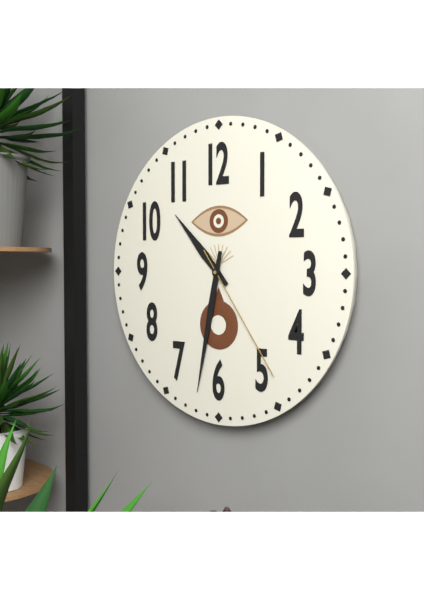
h=10 m=32 s=24
